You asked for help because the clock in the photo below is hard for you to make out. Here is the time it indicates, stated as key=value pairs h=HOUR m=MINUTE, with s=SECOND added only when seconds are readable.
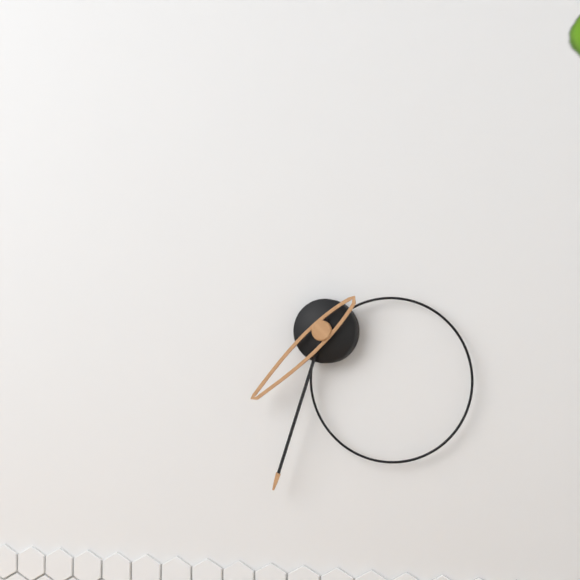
h=7 m=33
